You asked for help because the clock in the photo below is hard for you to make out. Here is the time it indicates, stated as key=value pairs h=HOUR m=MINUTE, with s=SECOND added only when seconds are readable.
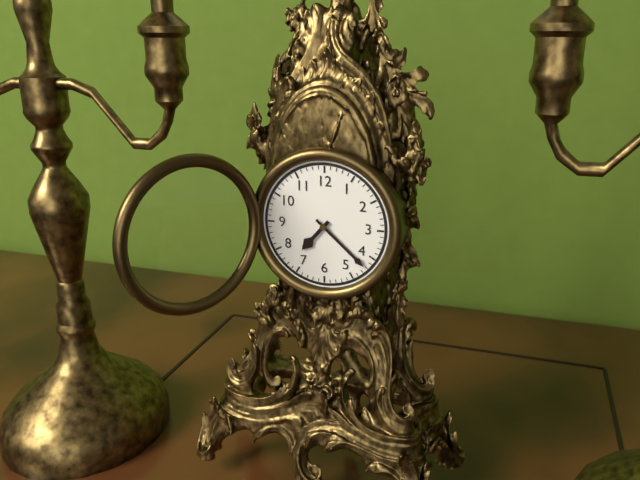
h=7 m=22
